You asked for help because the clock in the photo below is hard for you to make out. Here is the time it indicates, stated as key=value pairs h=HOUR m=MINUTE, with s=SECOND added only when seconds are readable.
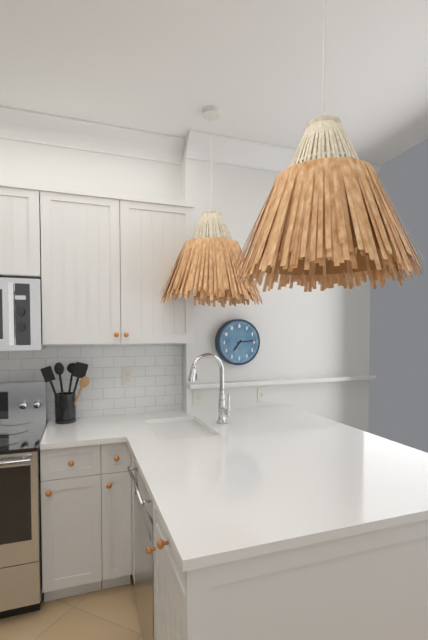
h=7 m=14
